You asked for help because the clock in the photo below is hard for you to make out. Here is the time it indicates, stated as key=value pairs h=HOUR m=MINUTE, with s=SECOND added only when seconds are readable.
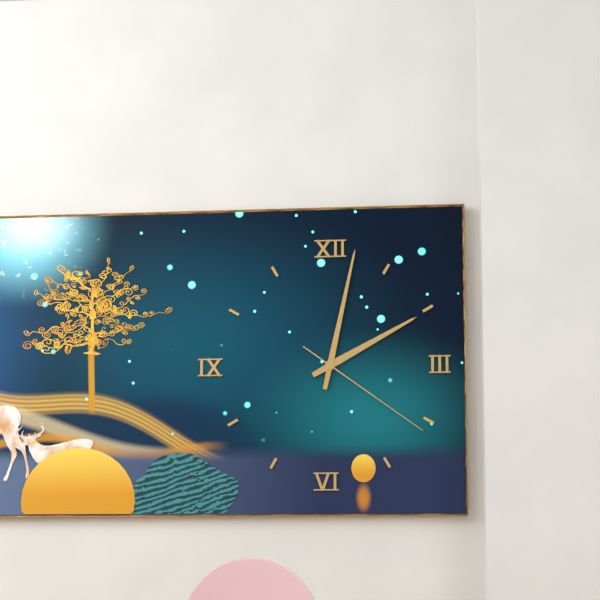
h=2 m=2 s=21
